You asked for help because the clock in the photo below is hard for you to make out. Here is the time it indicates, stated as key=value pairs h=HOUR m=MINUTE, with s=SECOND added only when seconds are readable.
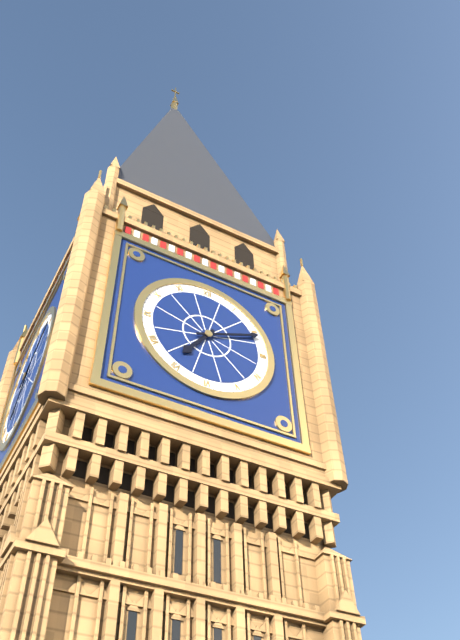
h=7 m=11
